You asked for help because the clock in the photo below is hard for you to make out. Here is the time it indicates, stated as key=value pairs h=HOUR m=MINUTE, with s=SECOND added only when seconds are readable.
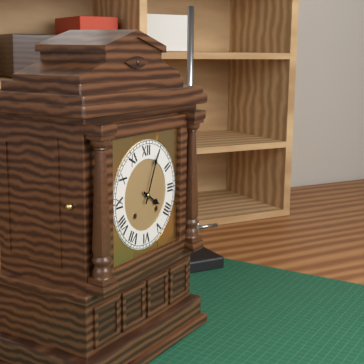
h=4 m=4
